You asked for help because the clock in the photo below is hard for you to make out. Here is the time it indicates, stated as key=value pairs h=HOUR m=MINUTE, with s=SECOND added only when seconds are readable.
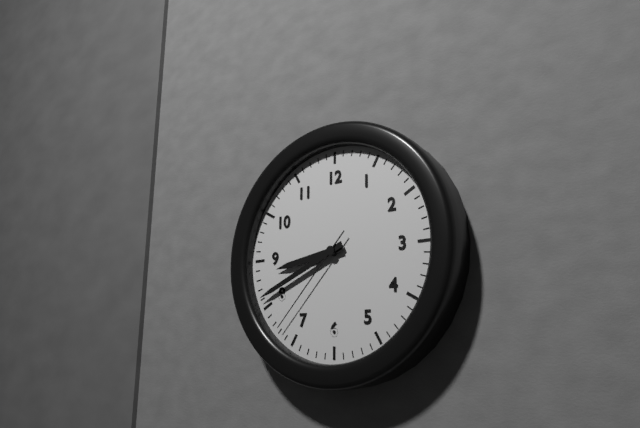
h=8 m=41 s=37
